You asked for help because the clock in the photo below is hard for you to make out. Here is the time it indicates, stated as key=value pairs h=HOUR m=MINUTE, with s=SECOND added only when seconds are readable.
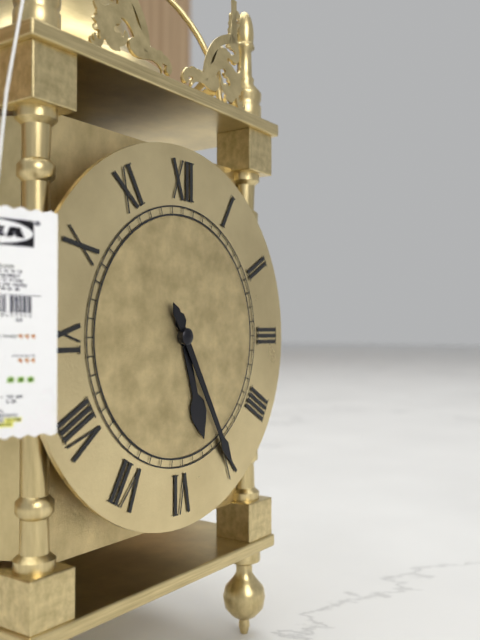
h=5 m=25
